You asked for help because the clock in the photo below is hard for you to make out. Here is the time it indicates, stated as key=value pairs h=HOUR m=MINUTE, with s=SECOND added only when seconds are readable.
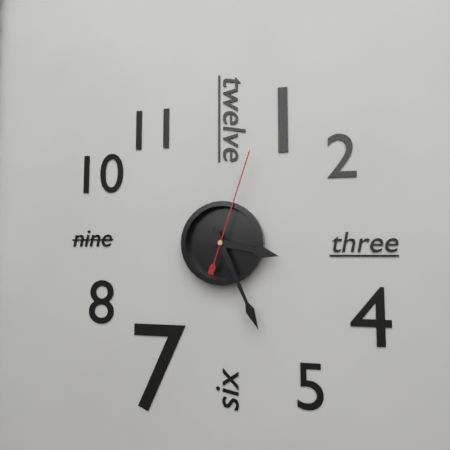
h=3 m=26 s=3
